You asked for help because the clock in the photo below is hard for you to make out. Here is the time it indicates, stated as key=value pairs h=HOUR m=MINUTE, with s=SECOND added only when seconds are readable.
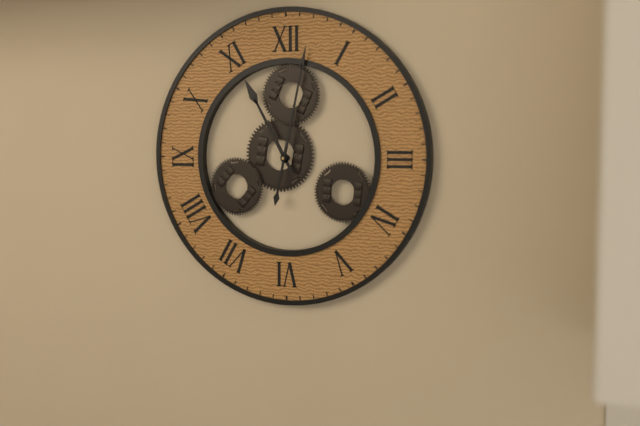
h=11 m=2
